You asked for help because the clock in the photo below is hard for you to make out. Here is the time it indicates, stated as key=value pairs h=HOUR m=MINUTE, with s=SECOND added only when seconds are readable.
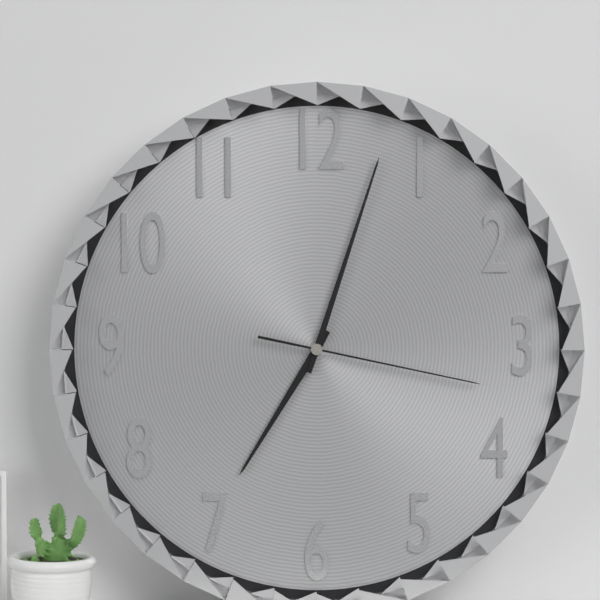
h=7 m=3 s=17
